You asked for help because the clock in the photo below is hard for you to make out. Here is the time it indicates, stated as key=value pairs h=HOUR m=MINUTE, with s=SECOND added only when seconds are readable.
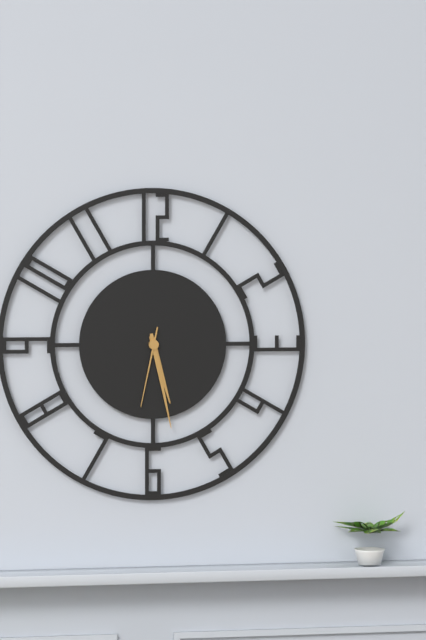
h=5 m=28 s=32
